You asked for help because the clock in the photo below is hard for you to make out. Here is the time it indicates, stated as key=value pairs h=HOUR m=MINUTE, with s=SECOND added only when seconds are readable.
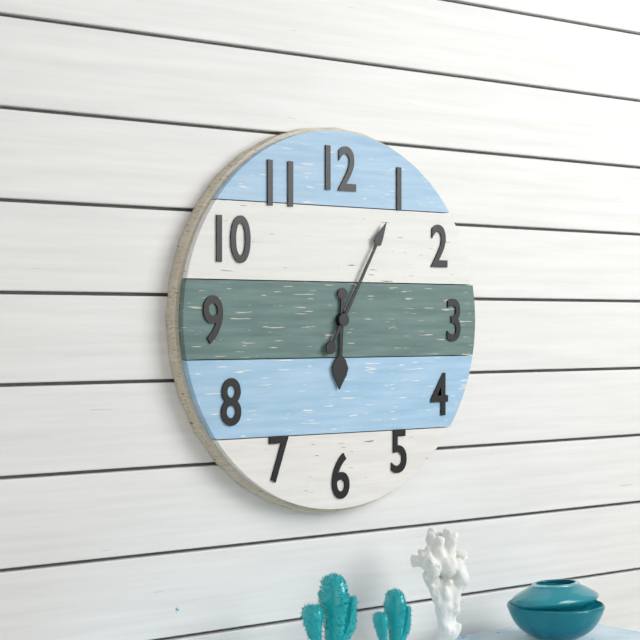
h=6 m=5
